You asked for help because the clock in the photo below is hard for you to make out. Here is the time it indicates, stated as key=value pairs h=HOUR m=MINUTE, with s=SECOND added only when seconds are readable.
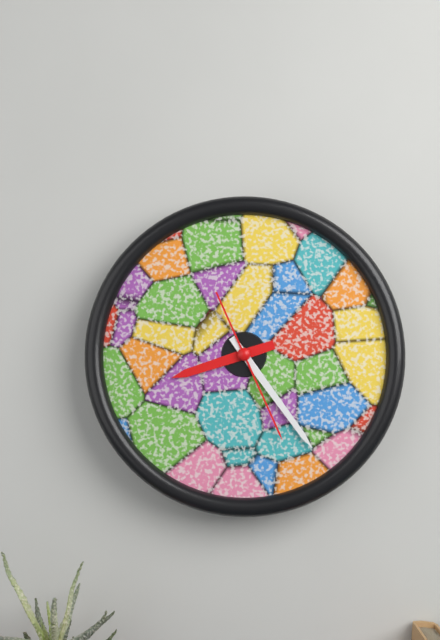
h=8 m=24 s=26
